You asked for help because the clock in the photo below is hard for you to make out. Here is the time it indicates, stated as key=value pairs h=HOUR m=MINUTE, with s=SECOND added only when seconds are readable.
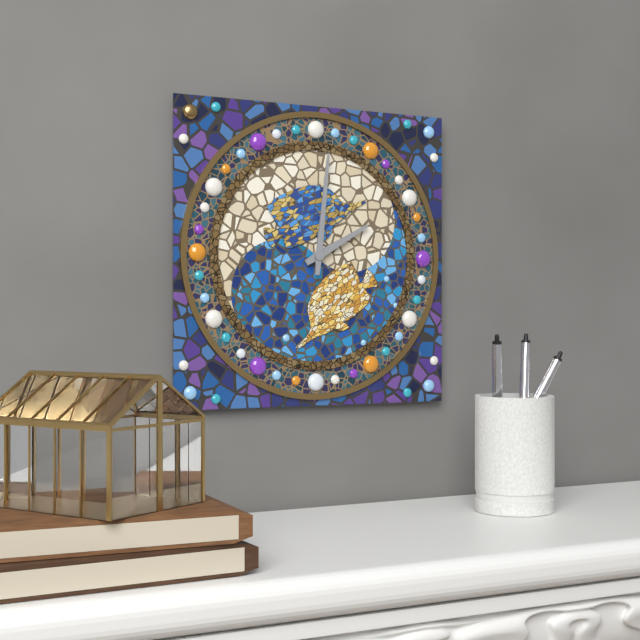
h=2 m=1
